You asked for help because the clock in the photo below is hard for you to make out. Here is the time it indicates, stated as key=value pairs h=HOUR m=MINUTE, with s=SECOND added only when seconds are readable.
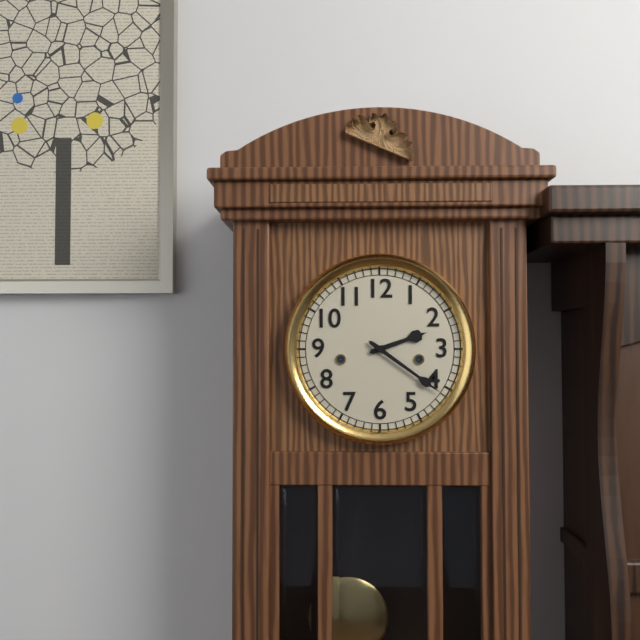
h=2 m=21
